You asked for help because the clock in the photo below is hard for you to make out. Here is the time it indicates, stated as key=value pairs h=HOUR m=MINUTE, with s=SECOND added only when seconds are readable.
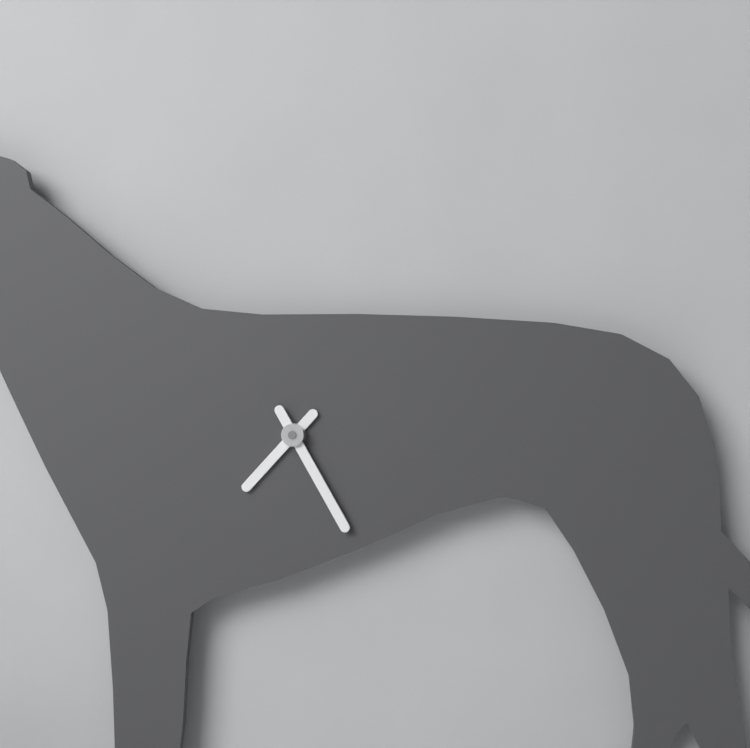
h=7 m=25
